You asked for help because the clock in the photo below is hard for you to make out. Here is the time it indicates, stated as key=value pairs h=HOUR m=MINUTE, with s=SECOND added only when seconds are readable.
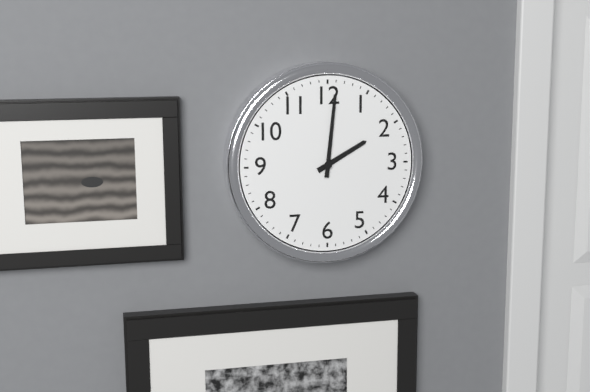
h=2 m=1
